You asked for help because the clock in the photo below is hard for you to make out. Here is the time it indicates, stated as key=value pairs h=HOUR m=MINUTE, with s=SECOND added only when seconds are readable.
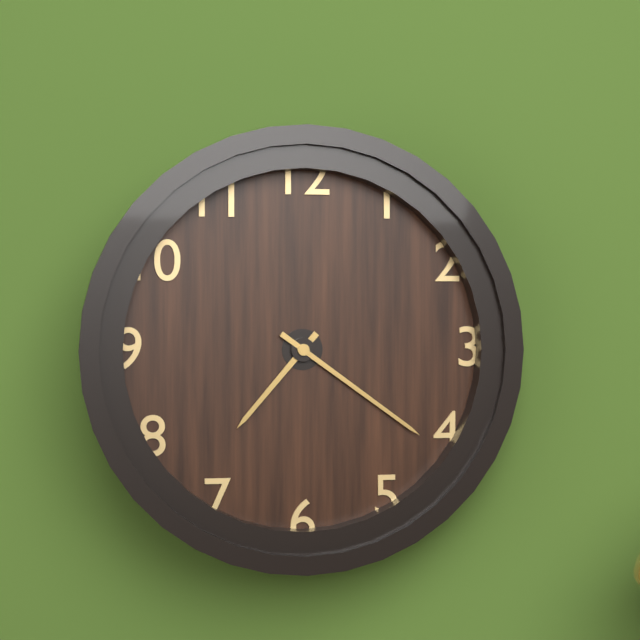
h=7 m=21
